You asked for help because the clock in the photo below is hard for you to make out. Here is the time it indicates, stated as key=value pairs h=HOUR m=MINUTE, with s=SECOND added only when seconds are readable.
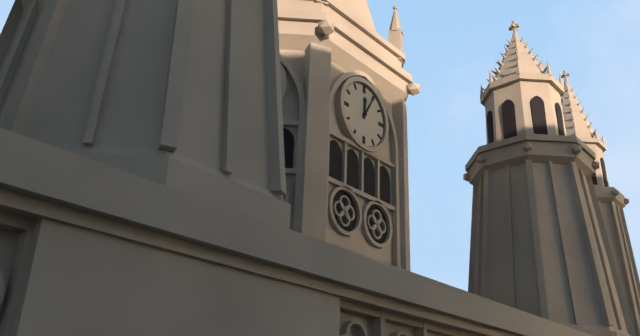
h=12 m=5
